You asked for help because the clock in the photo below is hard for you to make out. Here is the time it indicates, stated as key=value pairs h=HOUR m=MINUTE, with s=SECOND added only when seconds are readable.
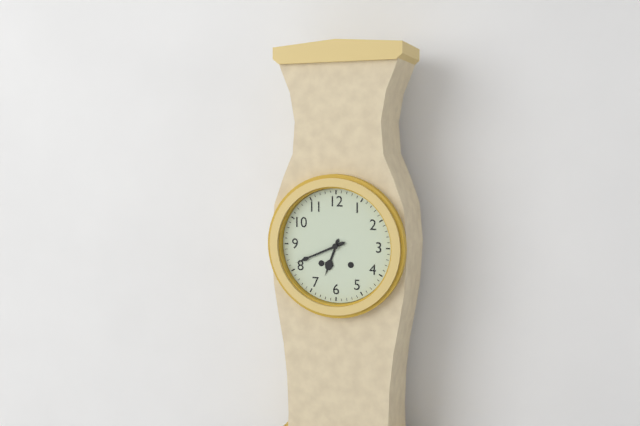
h=6 m=41
